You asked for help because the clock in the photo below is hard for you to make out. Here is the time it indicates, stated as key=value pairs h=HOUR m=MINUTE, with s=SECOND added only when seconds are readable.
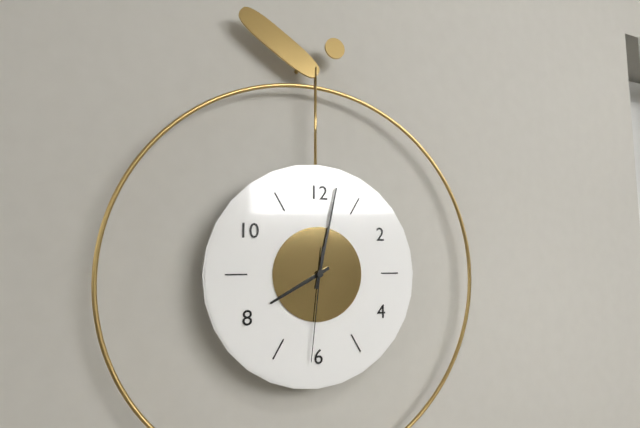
h=8 m=2 s=31
